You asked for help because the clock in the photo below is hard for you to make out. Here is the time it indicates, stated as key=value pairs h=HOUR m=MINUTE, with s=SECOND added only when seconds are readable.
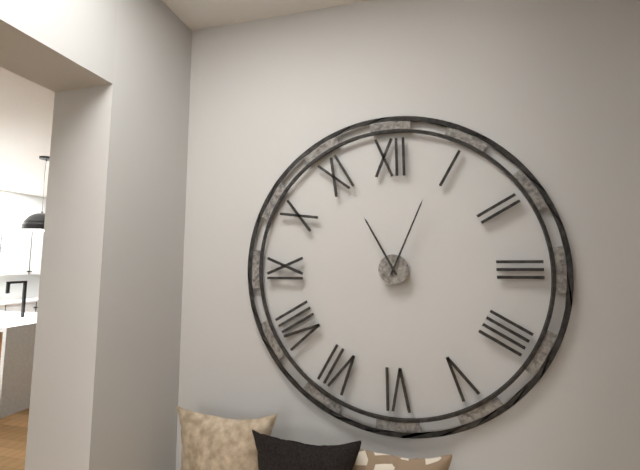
h=11 m=4
